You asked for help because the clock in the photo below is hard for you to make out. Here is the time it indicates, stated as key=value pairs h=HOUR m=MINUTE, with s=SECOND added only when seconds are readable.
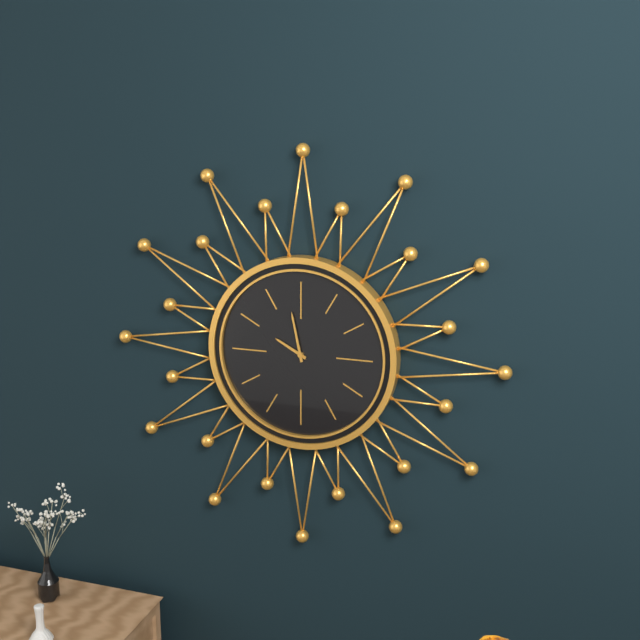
h=9 m=58
